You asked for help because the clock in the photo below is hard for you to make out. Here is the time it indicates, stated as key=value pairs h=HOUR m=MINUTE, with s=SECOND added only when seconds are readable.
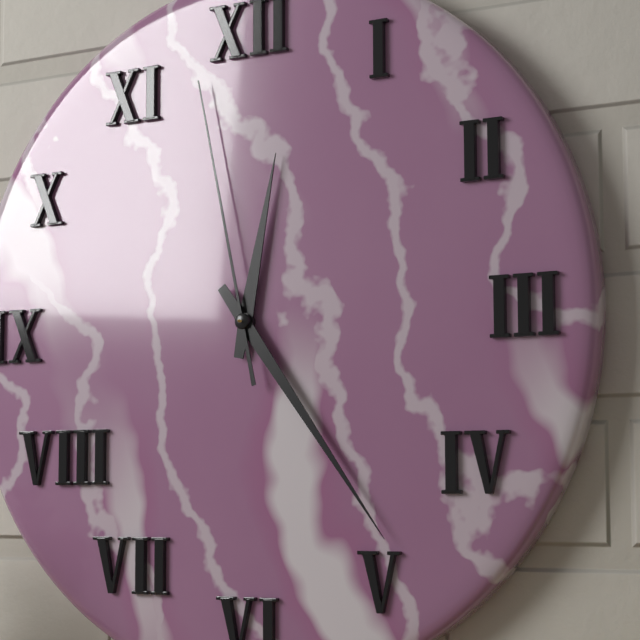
h=12 m=24 s=58
